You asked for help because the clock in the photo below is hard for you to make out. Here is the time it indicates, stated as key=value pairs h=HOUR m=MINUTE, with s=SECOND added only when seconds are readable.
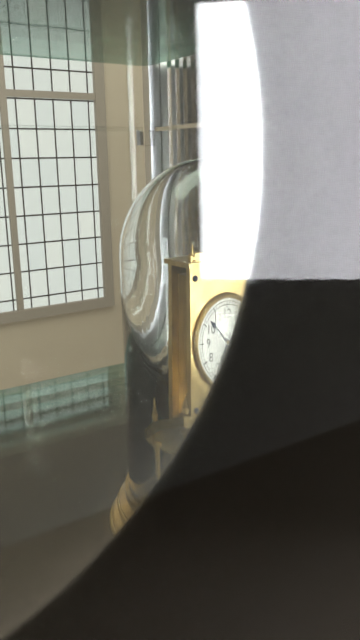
h=6 m=52
